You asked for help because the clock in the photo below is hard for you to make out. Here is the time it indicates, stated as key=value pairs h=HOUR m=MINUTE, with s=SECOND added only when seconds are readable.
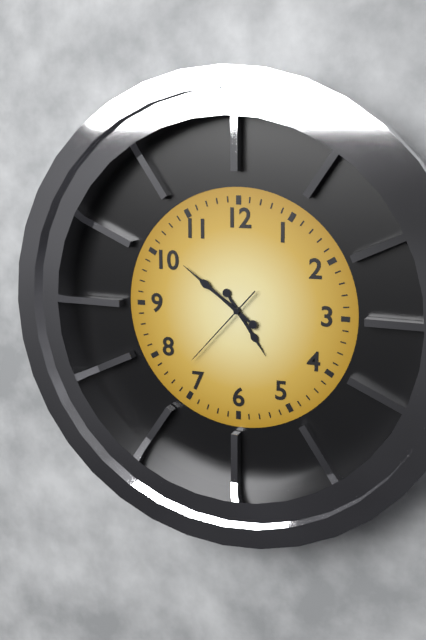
h=4 m=51 s=37
